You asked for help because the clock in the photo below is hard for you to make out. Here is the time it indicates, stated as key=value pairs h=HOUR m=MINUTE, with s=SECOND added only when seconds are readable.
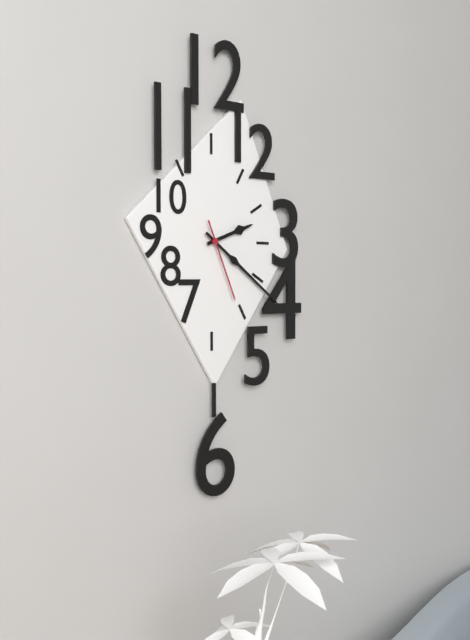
h=2 m=21 s=26
